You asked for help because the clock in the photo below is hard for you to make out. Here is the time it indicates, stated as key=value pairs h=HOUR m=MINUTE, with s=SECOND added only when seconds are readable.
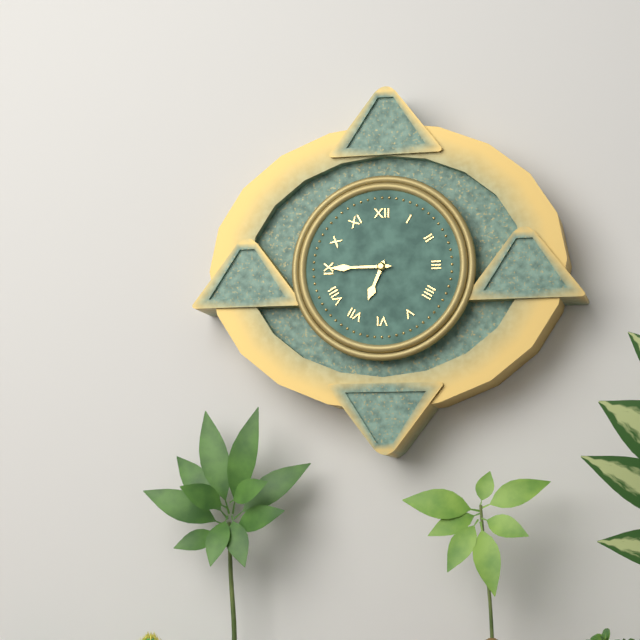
h=6 m=45
